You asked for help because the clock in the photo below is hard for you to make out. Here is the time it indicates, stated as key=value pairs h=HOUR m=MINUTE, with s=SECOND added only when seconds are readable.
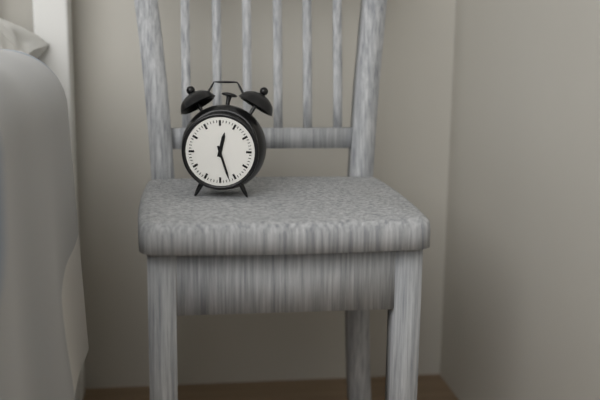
h=12 m=27
